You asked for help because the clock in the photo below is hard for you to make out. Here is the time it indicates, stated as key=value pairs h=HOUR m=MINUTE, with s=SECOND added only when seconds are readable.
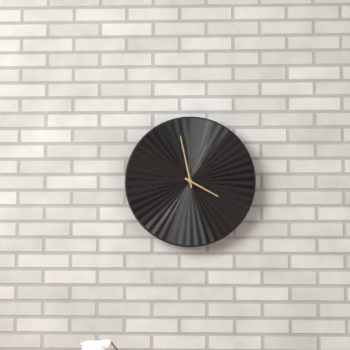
h=3 m=58
